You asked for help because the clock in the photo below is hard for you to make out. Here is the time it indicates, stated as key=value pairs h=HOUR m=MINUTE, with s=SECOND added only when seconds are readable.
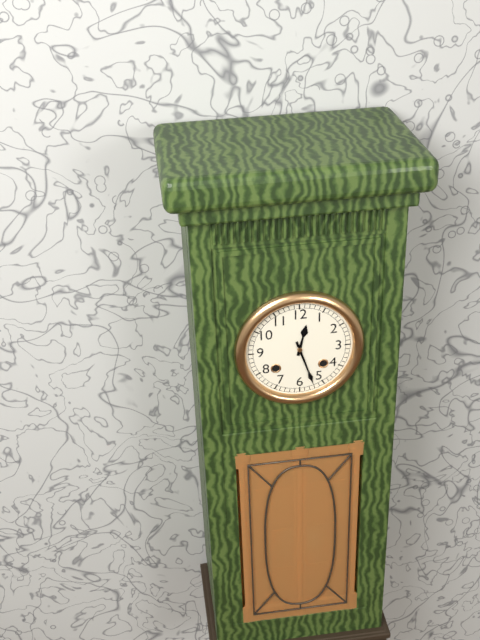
h=12 m=27
